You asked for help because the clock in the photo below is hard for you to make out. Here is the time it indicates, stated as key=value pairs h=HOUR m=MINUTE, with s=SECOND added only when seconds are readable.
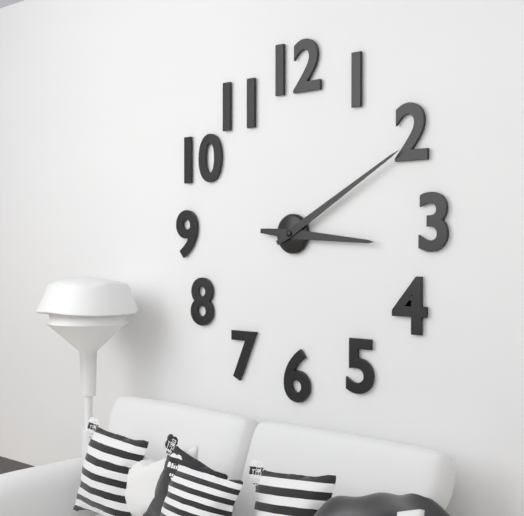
h=3 m=10
